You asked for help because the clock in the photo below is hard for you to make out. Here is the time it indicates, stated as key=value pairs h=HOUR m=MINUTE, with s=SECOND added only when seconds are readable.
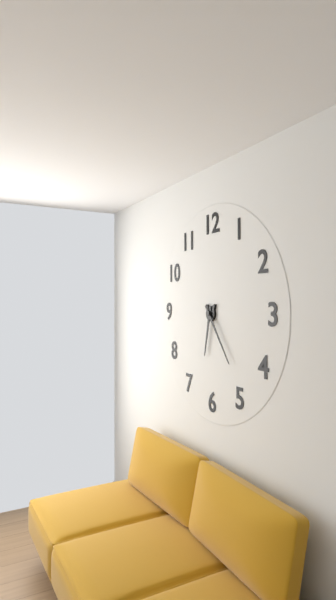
h=6 m=24
